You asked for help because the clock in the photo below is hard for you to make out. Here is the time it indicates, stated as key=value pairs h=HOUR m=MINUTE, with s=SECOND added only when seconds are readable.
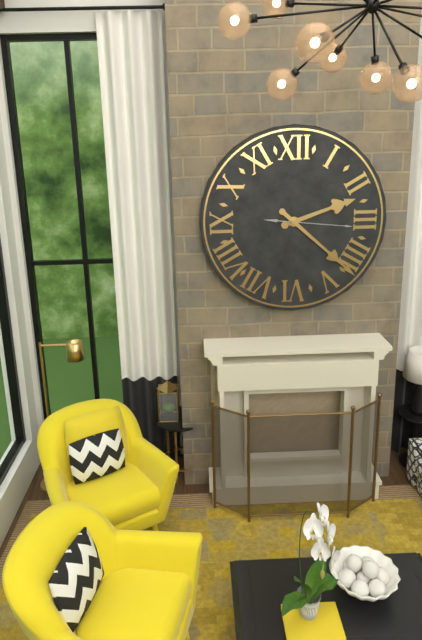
h=2 m=22 s=16
